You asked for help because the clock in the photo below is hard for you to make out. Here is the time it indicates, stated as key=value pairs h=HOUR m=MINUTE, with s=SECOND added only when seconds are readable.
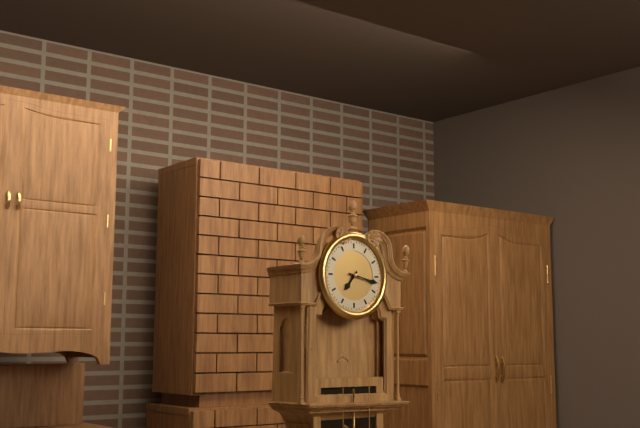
h=7 m=17
